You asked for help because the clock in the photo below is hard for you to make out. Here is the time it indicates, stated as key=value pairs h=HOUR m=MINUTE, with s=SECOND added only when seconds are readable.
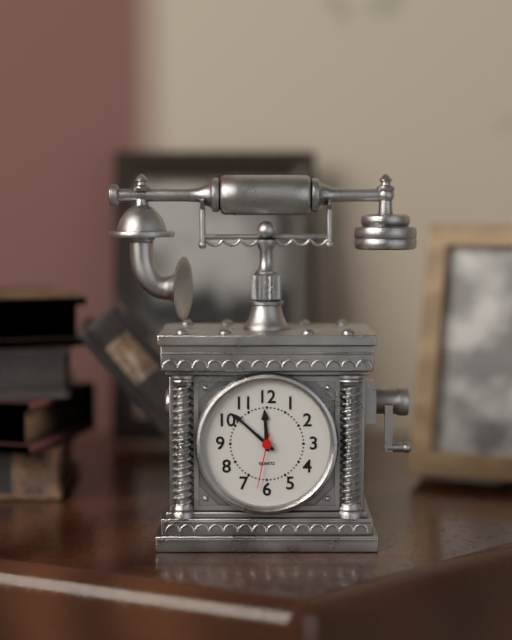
h=11 m=52 s=32
